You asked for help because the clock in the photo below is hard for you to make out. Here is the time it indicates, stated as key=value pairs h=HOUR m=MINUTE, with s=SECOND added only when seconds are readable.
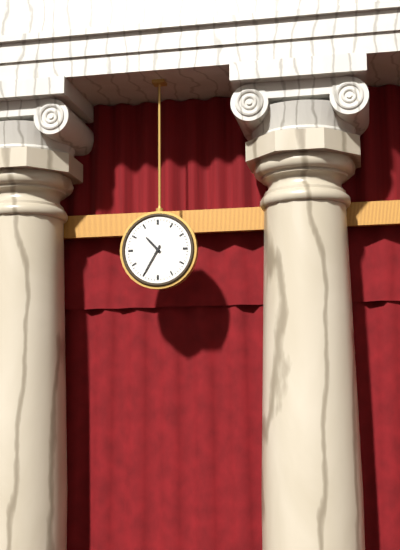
h=10 m=35
